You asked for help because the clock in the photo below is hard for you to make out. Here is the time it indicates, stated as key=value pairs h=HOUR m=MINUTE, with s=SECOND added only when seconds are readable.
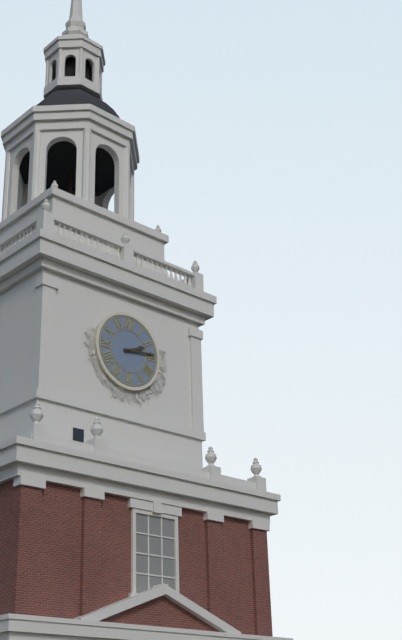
h=2 m=14
